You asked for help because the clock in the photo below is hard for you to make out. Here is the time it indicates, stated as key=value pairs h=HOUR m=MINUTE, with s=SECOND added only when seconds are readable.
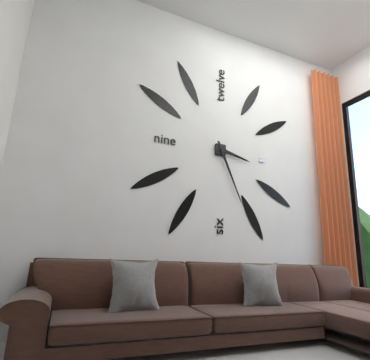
h=3 m=26
